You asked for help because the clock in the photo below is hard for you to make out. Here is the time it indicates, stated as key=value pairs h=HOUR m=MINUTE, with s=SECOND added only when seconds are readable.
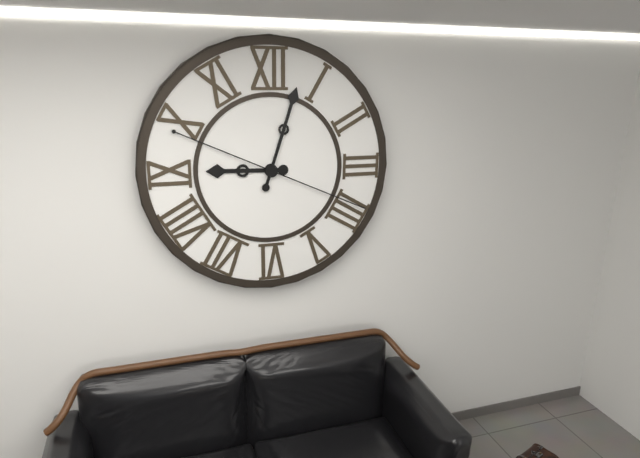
h=9 m=3 s=19
